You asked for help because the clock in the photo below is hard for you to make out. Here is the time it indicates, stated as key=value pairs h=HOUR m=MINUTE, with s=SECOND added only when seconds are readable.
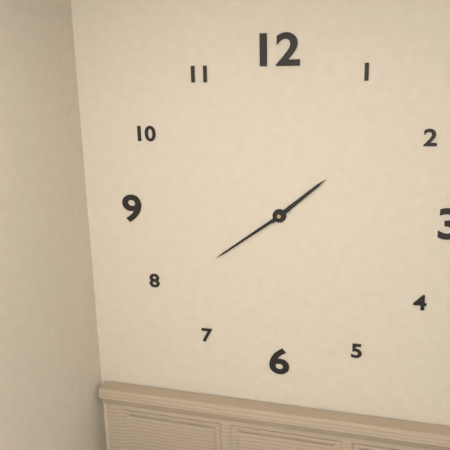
h=1 m=39
